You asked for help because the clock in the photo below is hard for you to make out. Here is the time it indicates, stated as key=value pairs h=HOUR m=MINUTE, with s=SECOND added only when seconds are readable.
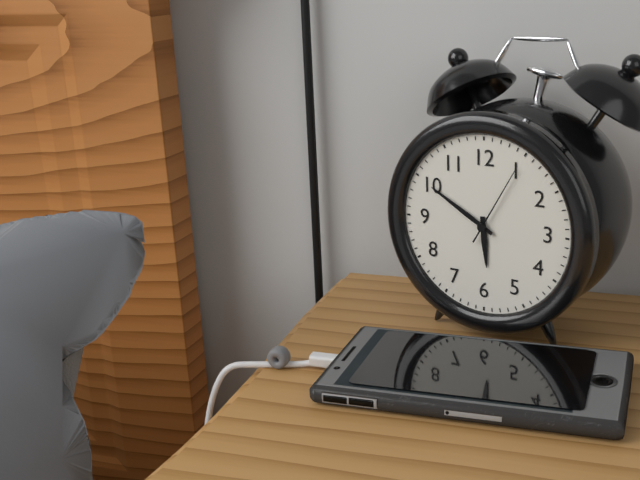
h=5 m=50 s=5
